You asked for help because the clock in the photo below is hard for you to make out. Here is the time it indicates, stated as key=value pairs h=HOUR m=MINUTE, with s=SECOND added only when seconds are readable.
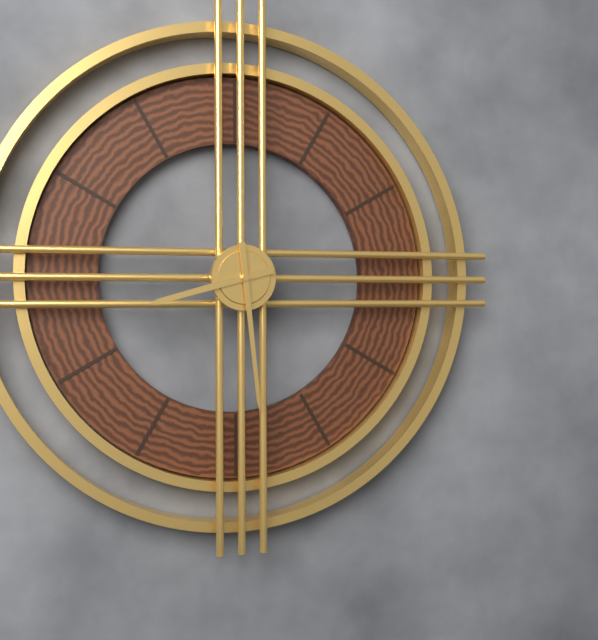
h=8 m=29
